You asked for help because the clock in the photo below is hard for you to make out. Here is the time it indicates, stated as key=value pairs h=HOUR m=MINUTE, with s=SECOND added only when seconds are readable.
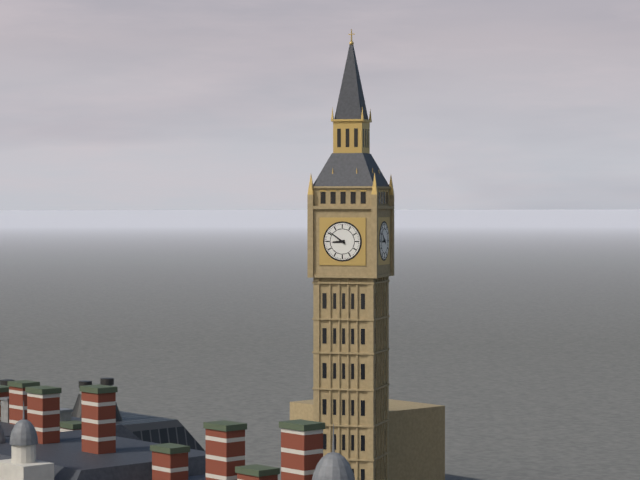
h=8 m=51
